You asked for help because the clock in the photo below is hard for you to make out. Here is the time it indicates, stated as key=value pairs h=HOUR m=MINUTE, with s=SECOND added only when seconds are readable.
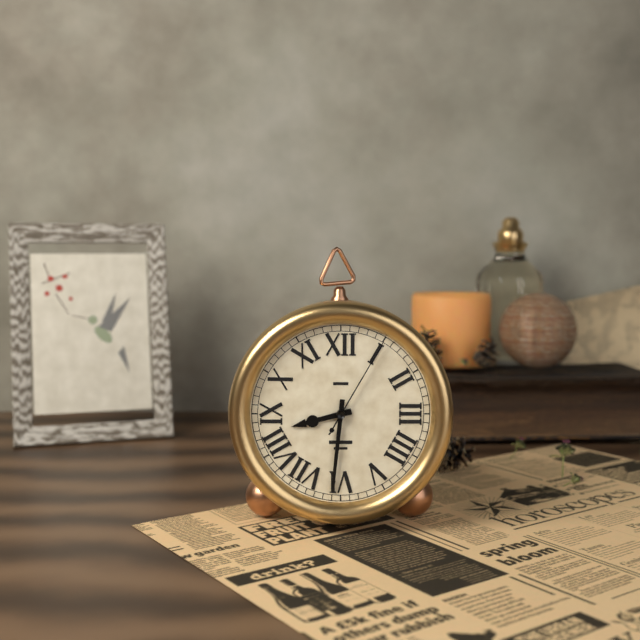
h=8 m=31 s=5
